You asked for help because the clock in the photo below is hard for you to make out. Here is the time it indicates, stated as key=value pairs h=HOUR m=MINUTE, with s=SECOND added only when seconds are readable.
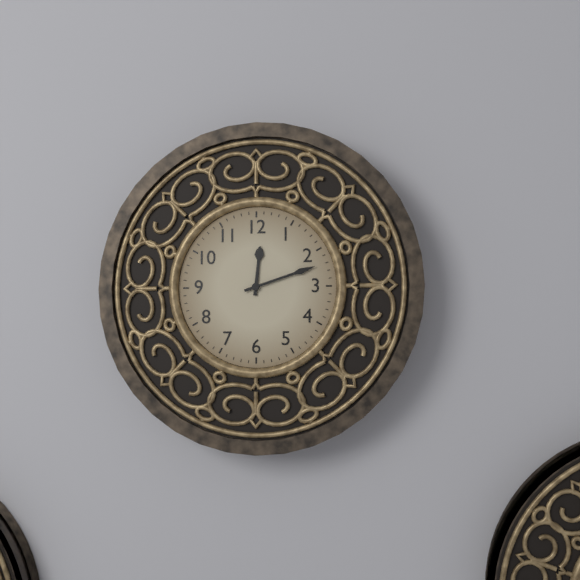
h=12 m=12
